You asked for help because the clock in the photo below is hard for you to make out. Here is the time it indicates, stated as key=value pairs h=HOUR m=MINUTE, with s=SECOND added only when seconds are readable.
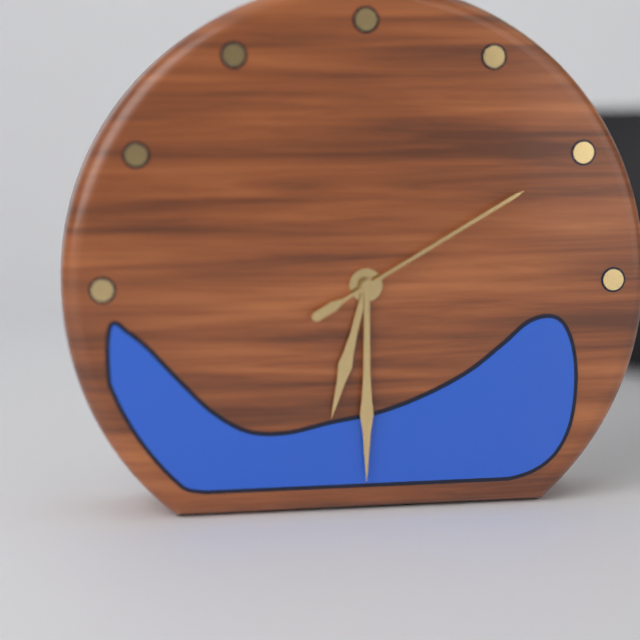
h=6 m=30 s=10
